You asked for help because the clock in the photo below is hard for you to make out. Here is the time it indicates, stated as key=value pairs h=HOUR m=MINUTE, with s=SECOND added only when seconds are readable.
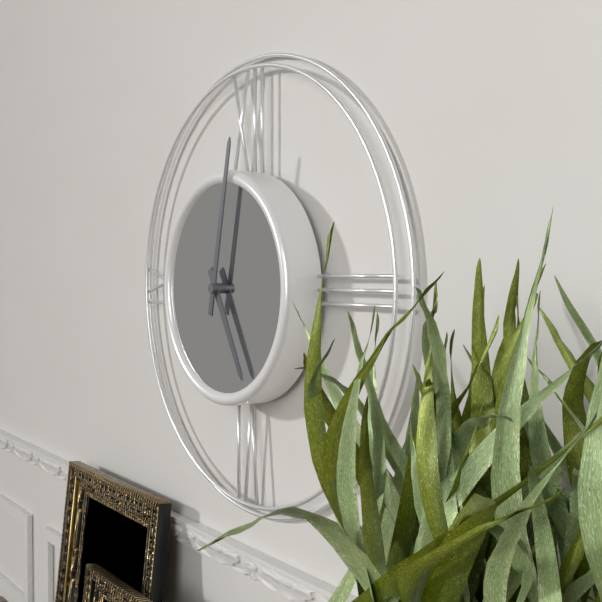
h=5 m=2
